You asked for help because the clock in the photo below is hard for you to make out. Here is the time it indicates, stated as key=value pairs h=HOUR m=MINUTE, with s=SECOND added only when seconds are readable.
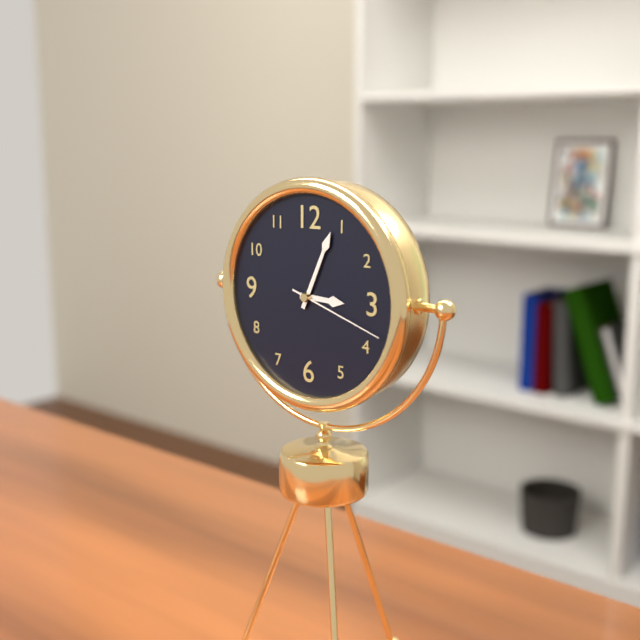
h=3 m=4 s=18
